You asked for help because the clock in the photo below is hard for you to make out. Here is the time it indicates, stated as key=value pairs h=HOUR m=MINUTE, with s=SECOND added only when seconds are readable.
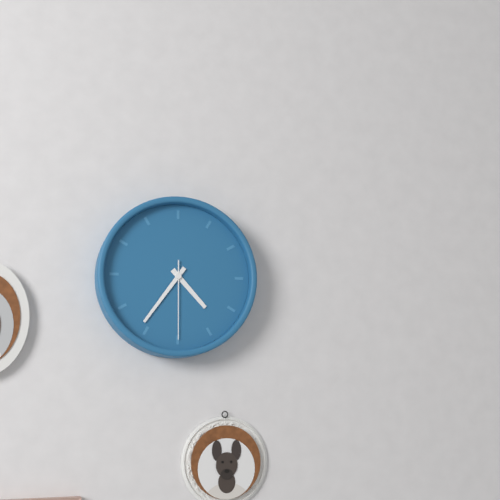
h=4 m=36 s=30
